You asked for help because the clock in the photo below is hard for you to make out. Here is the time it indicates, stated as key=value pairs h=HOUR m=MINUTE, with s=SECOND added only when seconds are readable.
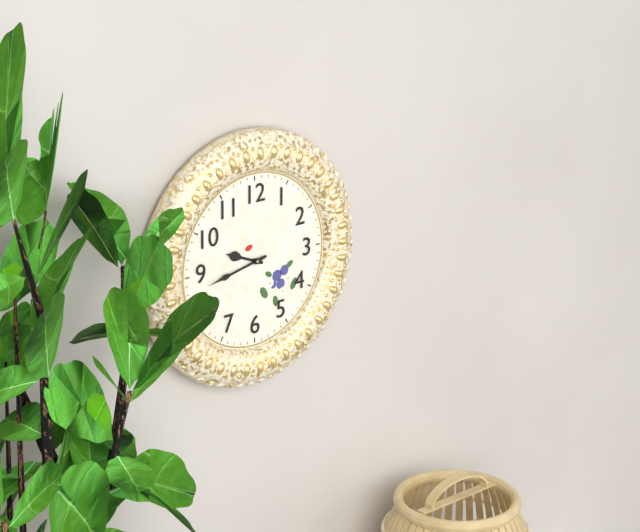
h=9 m=43
